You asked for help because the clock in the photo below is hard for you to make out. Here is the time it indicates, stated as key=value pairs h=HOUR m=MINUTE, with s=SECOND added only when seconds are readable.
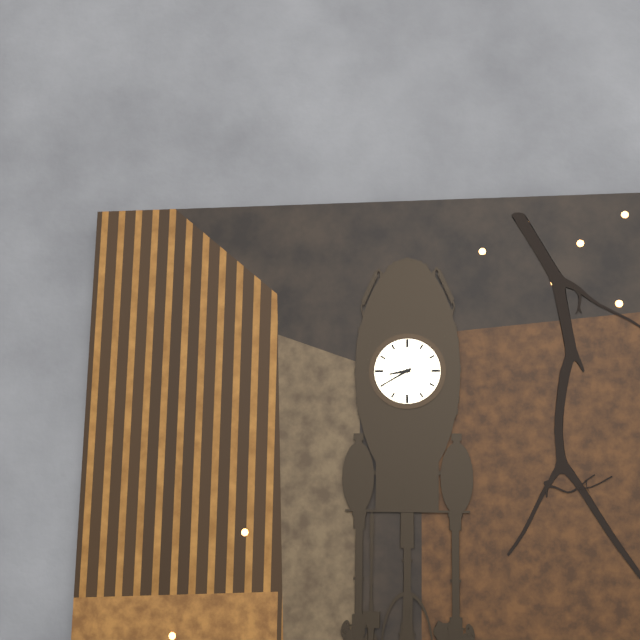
h=8 m=40
